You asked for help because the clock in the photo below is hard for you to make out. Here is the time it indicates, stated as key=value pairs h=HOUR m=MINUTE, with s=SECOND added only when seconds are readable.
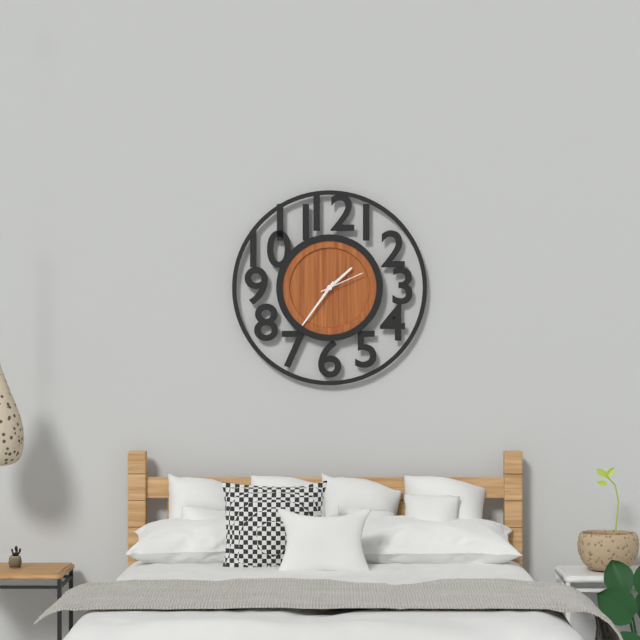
h=1 m=36
